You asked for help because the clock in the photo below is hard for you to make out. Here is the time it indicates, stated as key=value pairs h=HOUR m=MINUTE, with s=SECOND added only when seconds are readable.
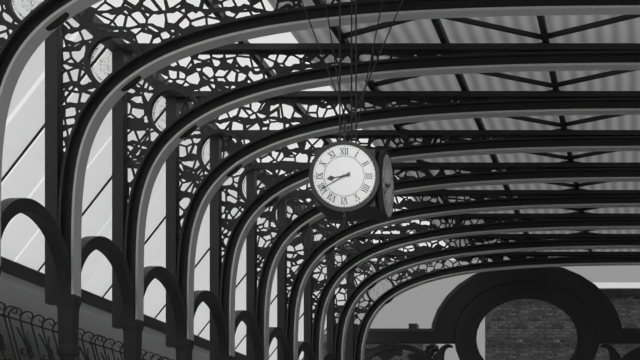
h=8 m=40
